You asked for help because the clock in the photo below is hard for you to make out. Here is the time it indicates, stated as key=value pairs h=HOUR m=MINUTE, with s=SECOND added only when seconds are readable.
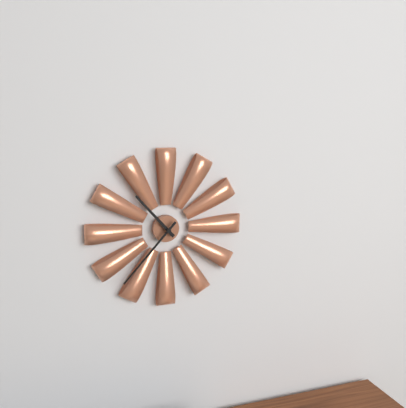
h=10 m=37
